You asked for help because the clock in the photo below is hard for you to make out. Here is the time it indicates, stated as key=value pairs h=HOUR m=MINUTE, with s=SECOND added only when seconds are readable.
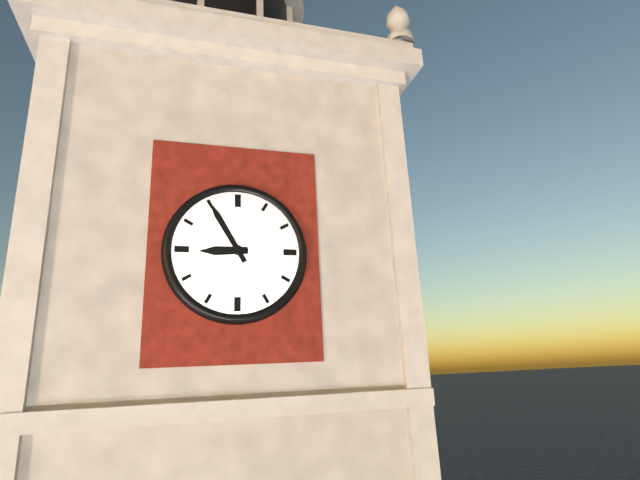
h=8 m=55
